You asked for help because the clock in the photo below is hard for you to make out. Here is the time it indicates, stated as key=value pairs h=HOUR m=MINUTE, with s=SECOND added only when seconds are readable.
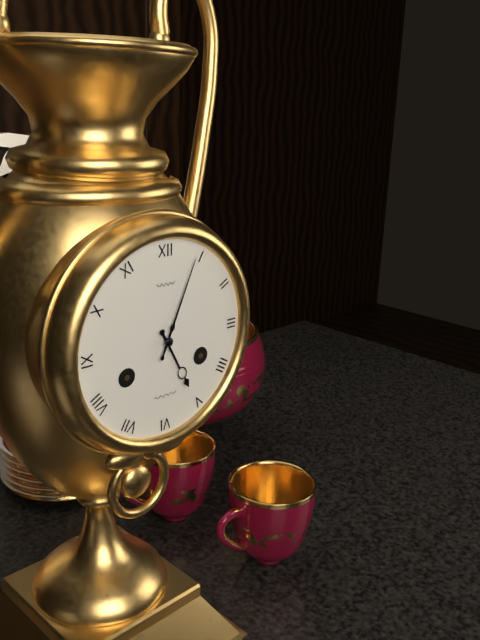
h=5 m=4
